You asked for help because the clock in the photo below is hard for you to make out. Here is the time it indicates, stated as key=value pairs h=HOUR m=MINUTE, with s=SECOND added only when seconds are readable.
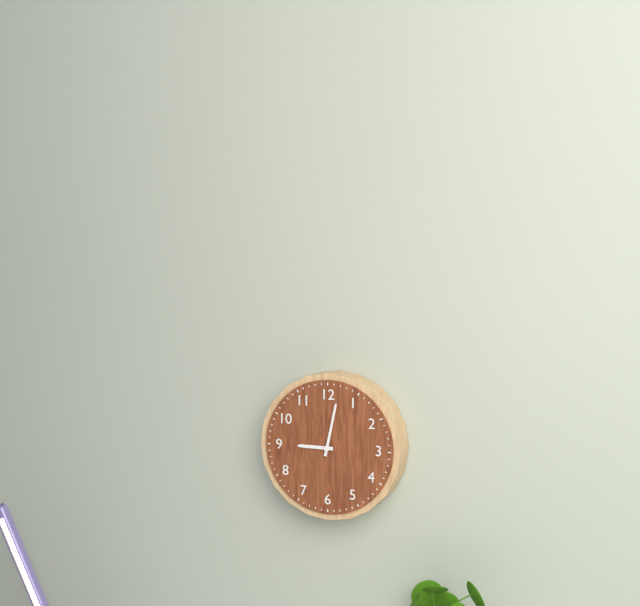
h=9 m=2
